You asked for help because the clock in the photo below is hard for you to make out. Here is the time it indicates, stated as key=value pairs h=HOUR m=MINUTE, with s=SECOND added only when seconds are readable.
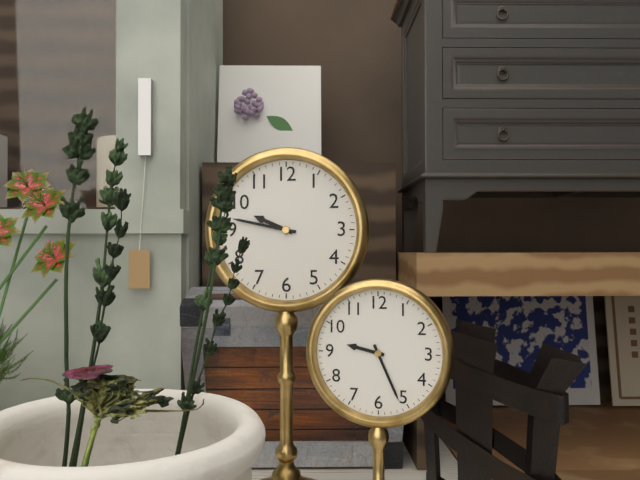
h=9 m=47
